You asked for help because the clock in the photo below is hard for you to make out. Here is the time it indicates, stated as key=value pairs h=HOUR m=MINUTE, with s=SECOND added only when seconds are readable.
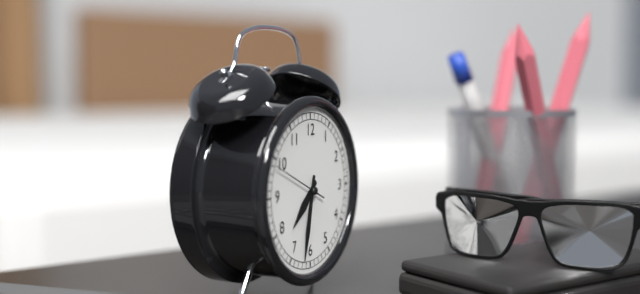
h=7 m=32 s=49
